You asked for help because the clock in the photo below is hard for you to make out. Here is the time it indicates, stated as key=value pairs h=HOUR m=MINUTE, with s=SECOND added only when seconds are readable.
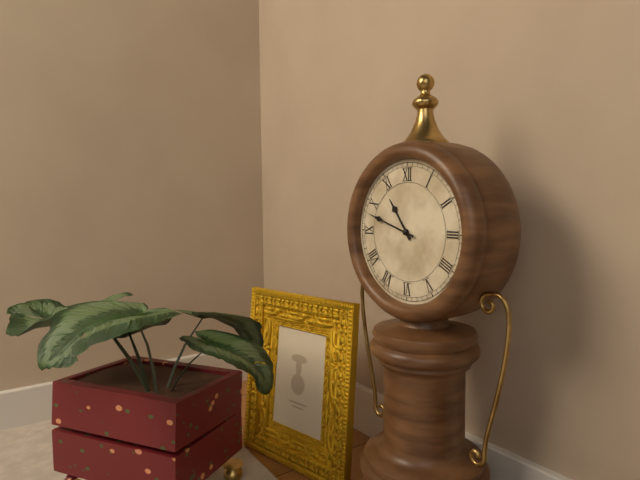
h=10 m=48
